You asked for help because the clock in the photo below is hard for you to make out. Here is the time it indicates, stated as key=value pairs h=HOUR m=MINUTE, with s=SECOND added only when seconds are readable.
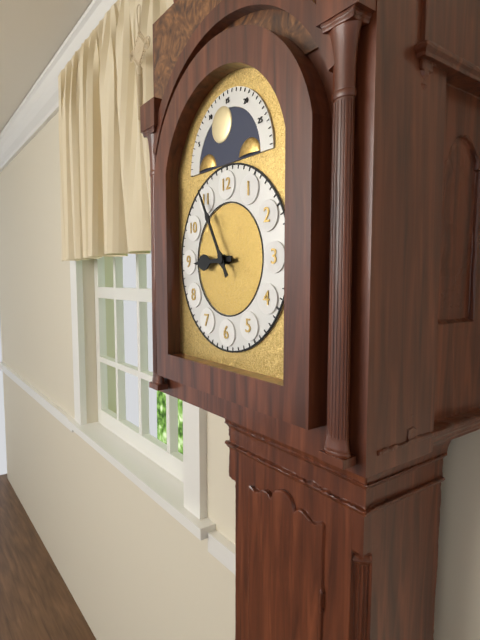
h=8 m=55
